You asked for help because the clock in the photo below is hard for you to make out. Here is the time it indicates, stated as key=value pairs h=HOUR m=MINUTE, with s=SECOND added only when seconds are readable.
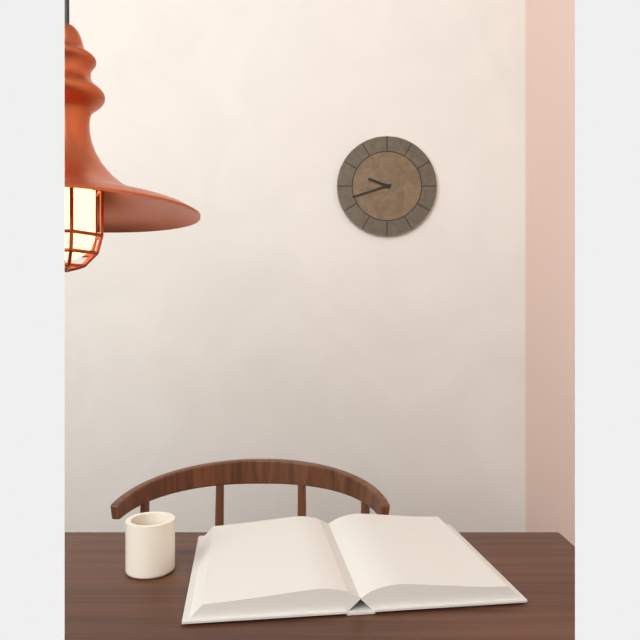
h=9 m=42
